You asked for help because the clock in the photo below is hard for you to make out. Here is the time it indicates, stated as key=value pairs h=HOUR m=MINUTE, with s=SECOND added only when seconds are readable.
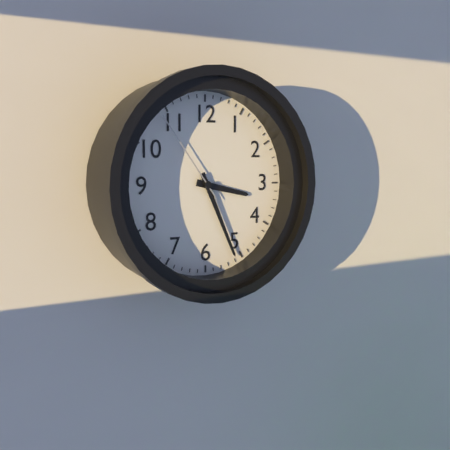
h=3 m=26 s=54
